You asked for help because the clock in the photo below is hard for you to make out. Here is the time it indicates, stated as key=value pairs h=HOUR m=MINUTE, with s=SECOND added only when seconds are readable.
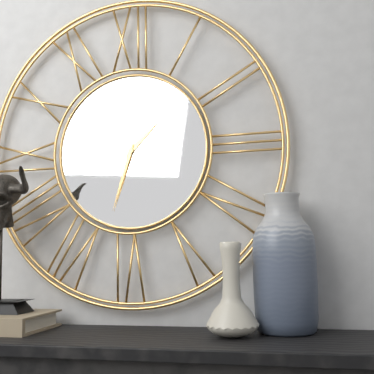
h=1 m=33
